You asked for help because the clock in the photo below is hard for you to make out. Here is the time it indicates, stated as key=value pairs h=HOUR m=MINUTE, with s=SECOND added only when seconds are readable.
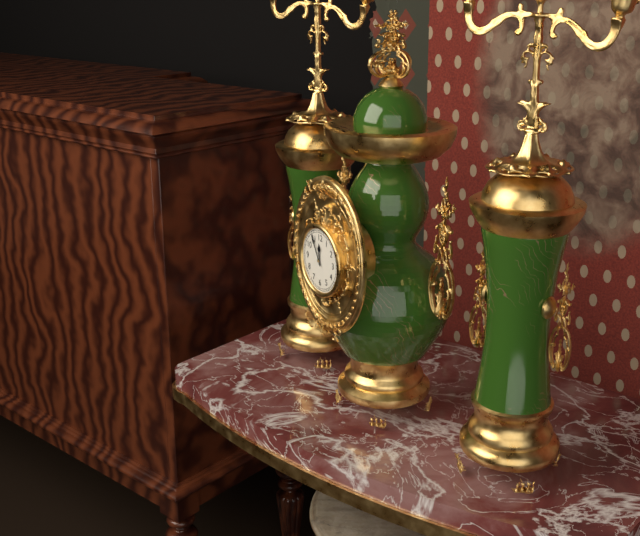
h=11 m=55
